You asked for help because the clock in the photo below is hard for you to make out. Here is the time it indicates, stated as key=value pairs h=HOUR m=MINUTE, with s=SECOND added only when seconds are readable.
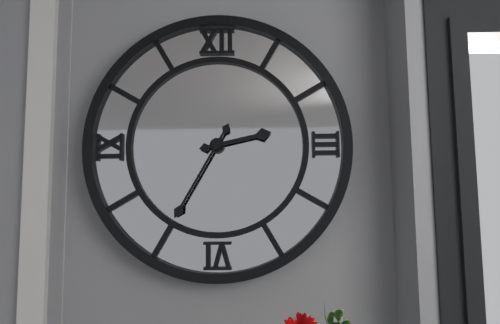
h=2 m=35
